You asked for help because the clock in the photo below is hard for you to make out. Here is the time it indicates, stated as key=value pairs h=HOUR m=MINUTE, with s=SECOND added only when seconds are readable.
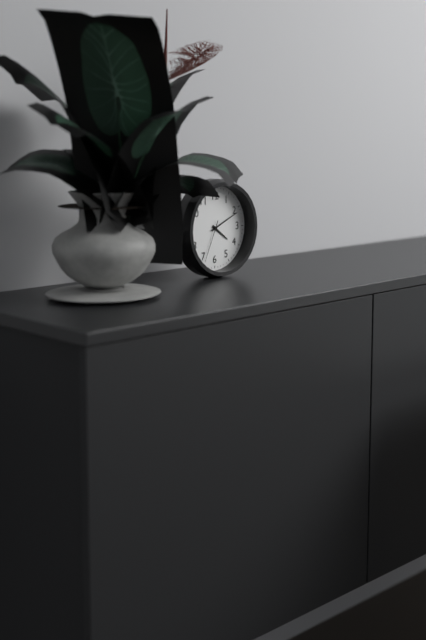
h=4 m=11
